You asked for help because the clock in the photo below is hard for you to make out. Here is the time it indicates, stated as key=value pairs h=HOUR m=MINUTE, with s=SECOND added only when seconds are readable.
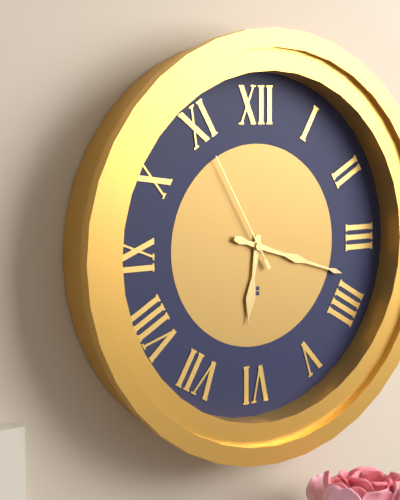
h=6 m=18 s=55
